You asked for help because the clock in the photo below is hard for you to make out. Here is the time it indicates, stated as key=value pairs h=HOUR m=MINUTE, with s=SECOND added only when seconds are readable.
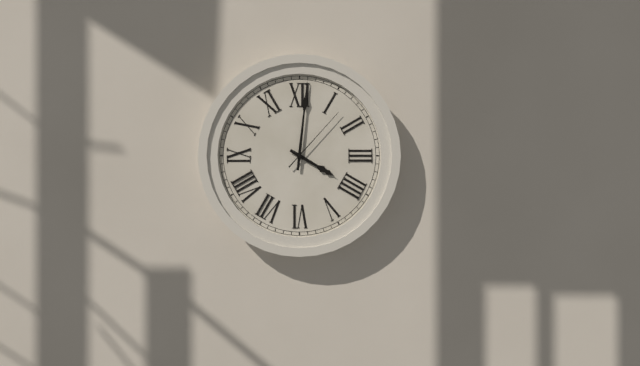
h=4 m=1 s=7
